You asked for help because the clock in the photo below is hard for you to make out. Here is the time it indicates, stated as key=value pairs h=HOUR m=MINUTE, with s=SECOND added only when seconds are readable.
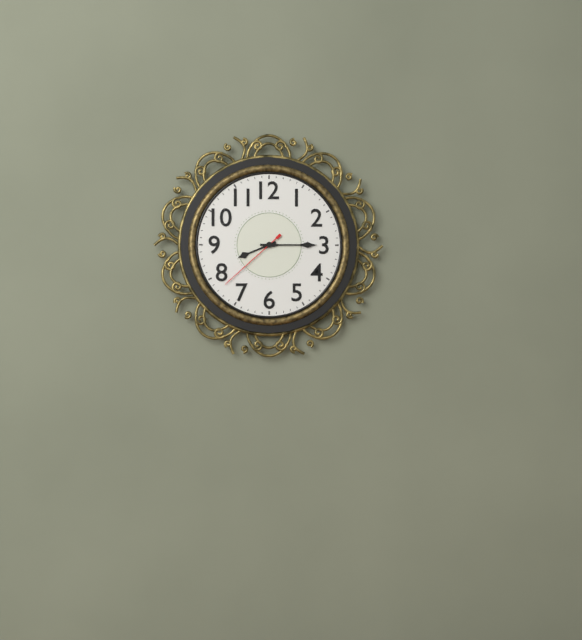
h=8 m=15 s=38
